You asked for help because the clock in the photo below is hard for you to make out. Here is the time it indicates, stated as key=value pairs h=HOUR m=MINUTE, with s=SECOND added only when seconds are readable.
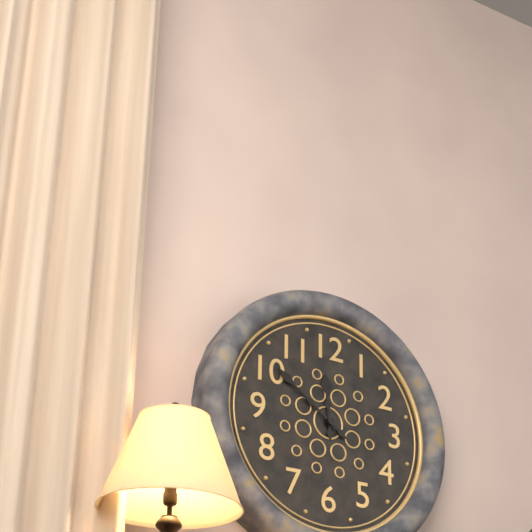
h=11 m=51
